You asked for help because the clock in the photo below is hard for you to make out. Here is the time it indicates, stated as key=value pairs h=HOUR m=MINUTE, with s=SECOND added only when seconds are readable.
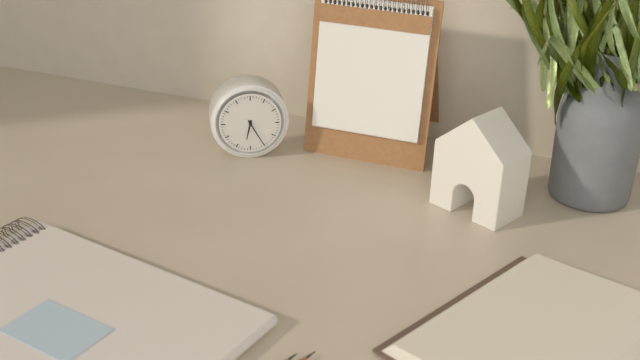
h=6 m=25
